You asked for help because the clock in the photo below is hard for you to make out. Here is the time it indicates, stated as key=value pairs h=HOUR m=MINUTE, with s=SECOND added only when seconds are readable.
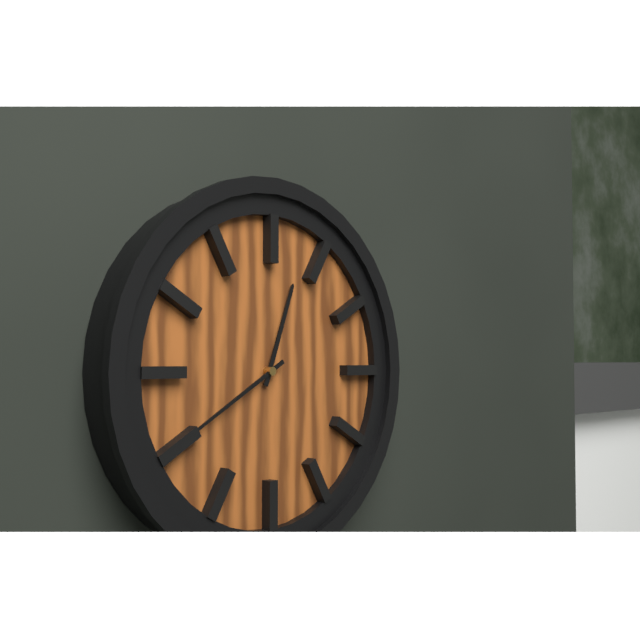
h=12 m=40
